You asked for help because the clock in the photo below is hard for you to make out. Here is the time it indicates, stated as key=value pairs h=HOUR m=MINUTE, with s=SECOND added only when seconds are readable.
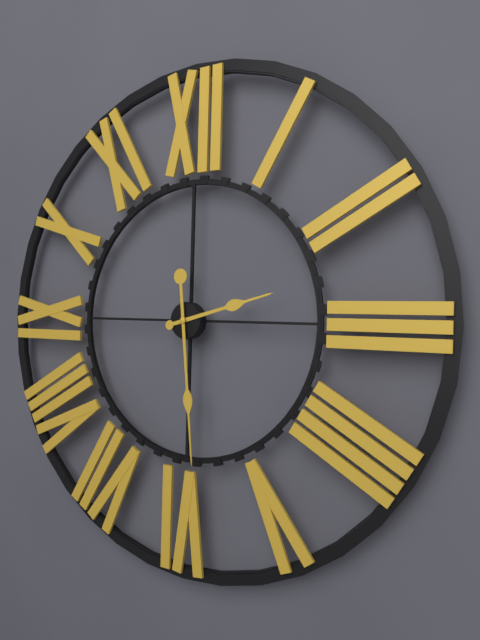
h=2 m=29
